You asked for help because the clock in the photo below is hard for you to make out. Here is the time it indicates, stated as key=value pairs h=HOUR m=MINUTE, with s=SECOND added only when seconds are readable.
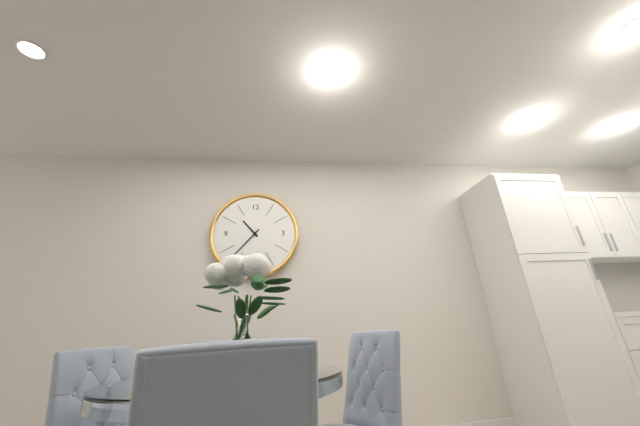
h=10 m=37
